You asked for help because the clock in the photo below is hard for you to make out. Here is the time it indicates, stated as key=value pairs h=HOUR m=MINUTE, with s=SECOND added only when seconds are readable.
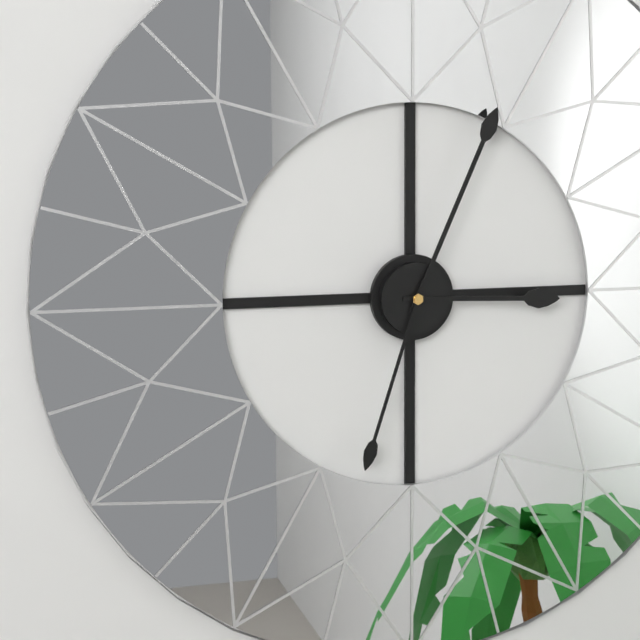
h=3 m=4 s=33
